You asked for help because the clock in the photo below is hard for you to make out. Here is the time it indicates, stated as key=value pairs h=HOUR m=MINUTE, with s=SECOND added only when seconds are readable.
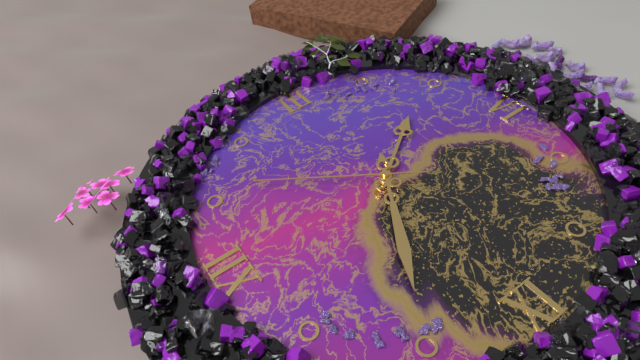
h=4 m=50 s=6
